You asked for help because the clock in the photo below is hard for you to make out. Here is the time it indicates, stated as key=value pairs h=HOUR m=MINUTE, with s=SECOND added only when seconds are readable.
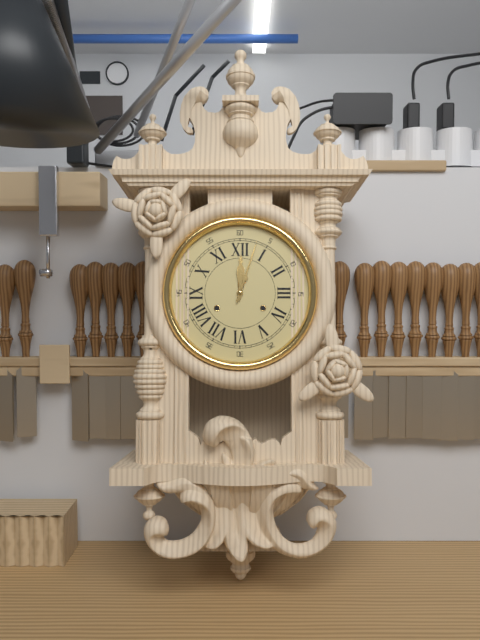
h=12 m=3
